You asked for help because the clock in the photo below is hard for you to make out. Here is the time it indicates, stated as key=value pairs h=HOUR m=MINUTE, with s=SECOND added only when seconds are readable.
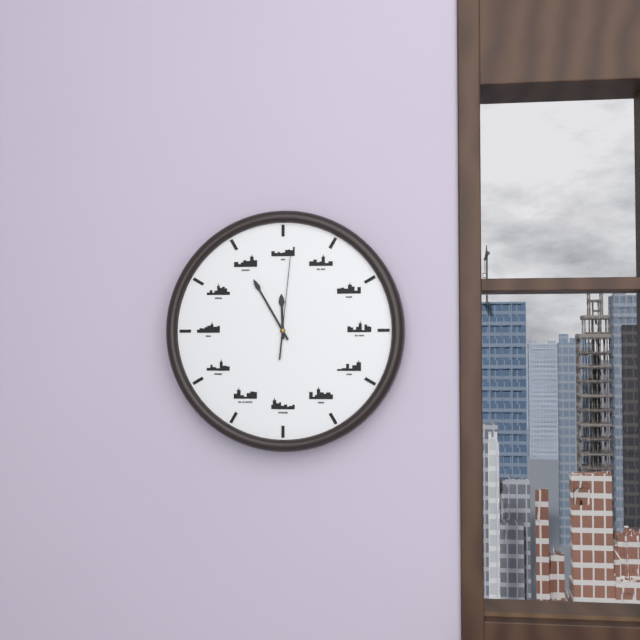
h=11 m=55 s=1
